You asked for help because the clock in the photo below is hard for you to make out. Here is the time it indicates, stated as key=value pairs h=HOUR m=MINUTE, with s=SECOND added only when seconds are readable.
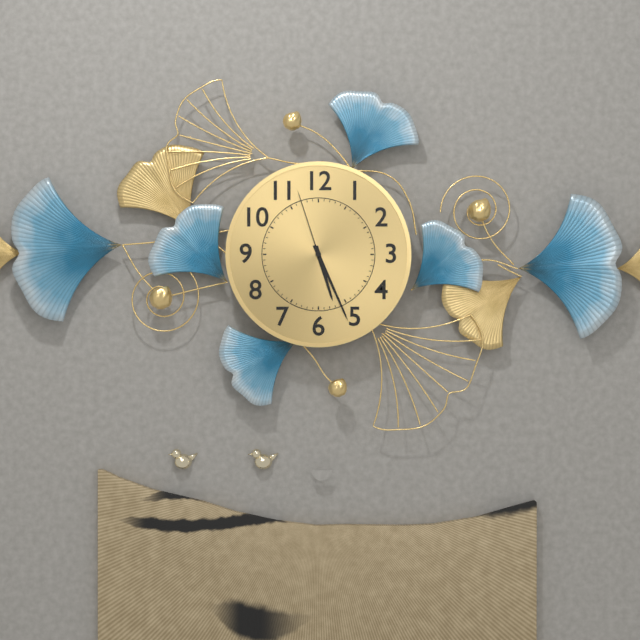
h=5 m=26 s=57
